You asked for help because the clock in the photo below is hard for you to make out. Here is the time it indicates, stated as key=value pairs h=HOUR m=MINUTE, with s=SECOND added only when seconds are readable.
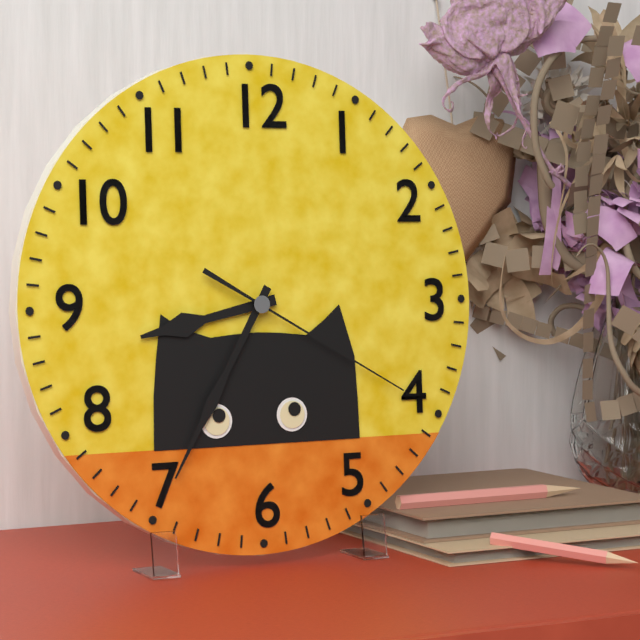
h=8 m=35 s=20
